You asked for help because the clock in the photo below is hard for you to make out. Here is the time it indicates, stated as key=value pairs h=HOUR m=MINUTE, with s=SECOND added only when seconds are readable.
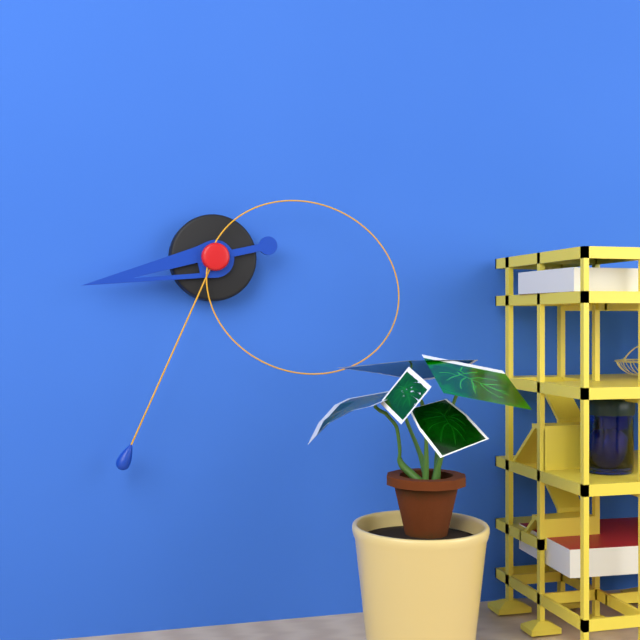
h=8 m=34 s=18
